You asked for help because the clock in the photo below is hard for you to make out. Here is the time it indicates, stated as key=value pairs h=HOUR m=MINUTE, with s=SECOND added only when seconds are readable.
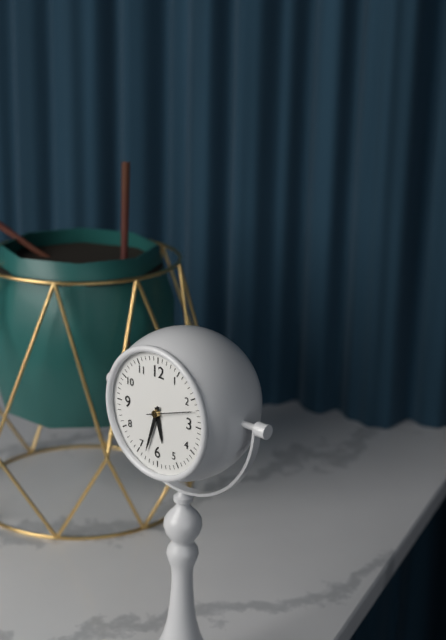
h=5 m=33
